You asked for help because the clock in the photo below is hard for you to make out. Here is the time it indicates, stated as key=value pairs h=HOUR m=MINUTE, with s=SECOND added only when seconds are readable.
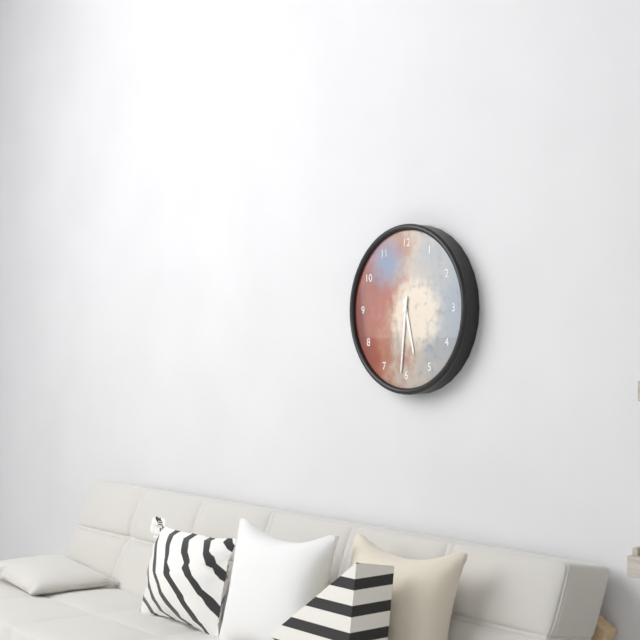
h=5 m=31
